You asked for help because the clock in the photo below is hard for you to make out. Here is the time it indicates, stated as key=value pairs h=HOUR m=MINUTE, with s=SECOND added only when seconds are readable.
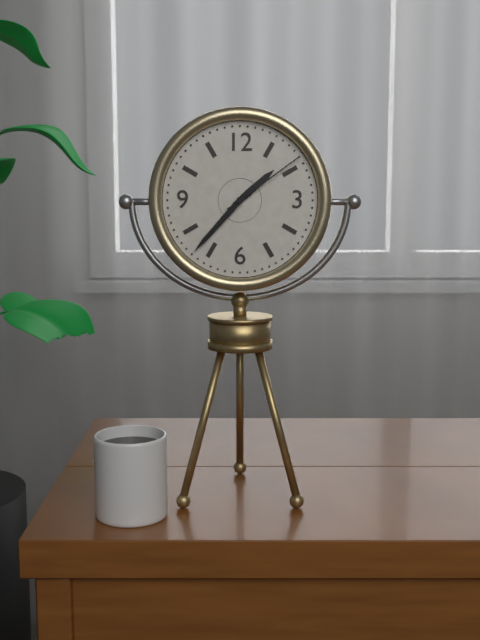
h=1 m=37 s=9
